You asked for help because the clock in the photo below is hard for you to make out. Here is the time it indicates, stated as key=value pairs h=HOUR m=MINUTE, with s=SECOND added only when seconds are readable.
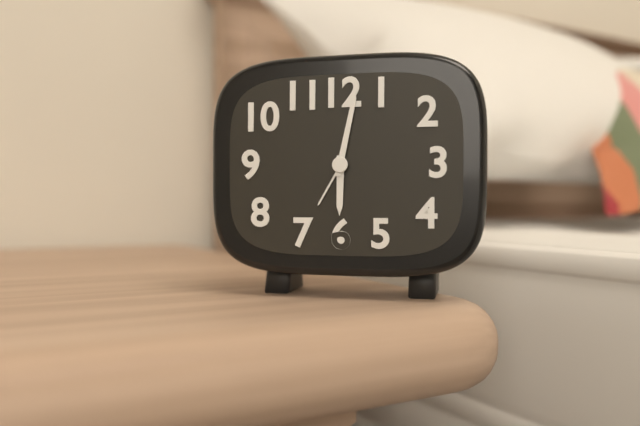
h=6 m=2
